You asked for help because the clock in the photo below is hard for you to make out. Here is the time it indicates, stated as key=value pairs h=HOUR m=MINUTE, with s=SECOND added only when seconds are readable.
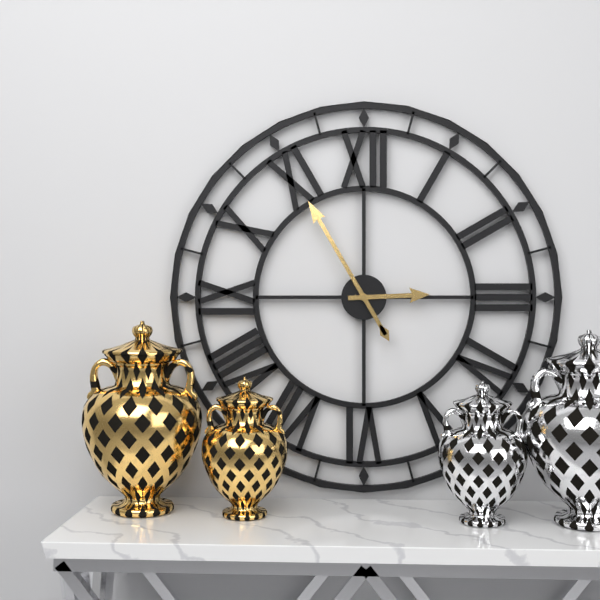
h=2 m=55
